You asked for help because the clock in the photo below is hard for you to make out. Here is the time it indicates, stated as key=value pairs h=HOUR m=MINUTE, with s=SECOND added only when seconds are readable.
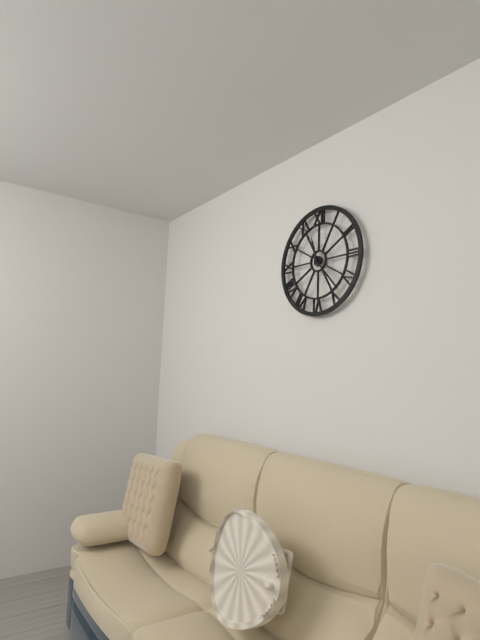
h=11 m=23
